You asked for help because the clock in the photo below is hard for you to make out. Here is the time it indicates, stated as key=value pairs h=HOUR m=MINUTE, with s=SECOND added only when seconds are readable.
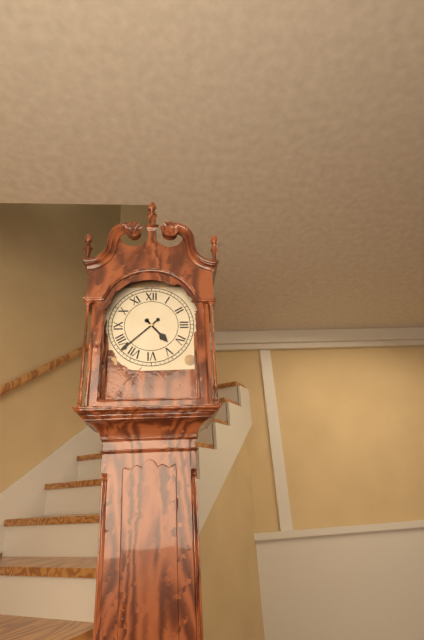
h=4 m=38
